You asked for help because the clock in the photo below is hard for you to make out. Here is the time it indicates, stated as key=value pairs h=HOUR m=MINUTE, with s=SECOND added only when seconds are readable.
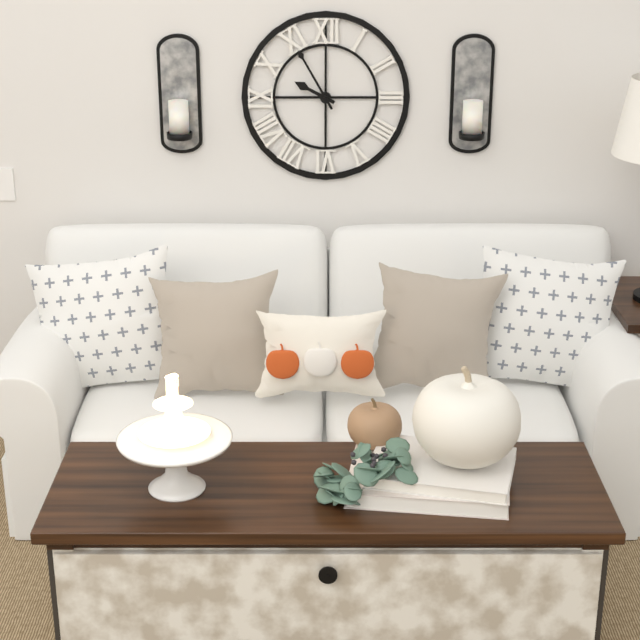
h=9 m=55
